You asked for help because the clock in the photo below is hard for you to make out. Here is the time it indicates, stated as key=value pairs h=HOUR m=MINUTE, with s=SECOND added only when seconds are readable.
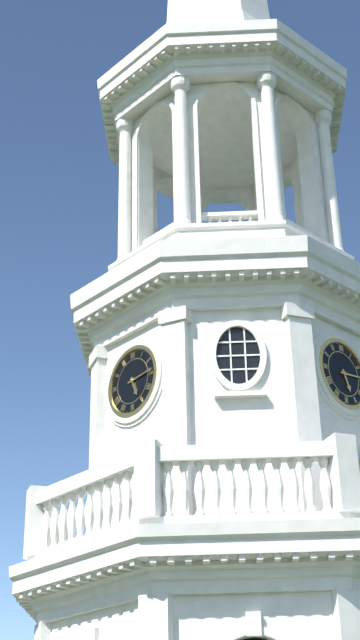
h=5 m=14
